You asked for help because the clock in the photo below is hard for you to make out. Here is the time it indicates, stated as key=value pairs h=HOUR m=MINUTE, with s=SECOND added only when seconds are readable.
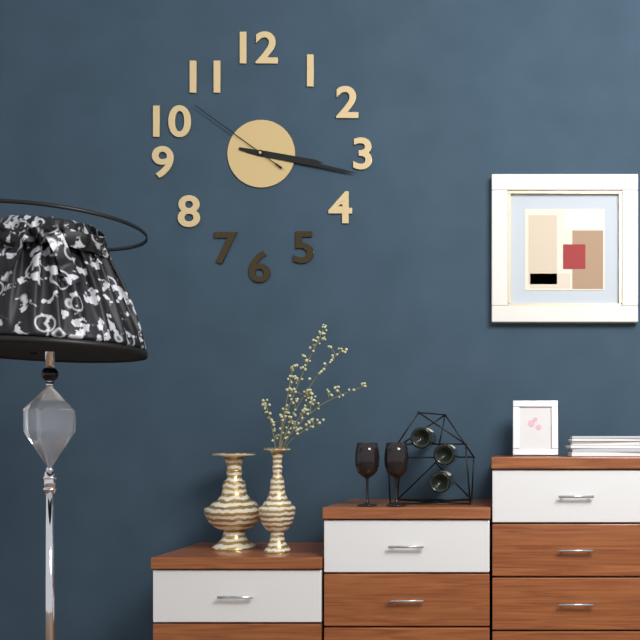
h=3 m=17 s=51
